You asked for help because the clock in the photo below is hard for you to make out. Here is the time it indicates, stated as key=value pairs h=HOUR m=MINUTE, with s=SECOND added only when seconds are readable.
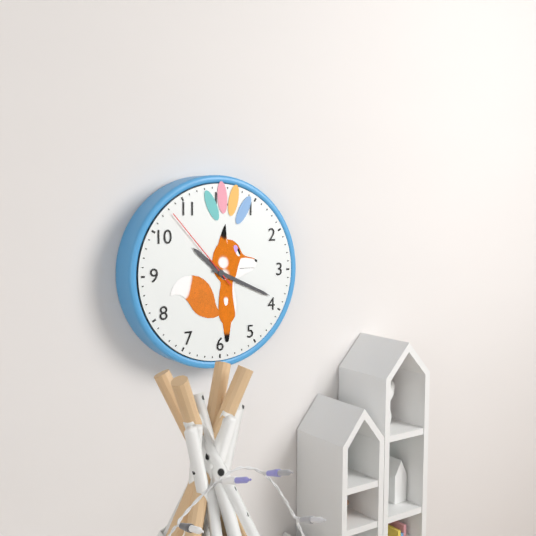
h=10 m=19 s=53
